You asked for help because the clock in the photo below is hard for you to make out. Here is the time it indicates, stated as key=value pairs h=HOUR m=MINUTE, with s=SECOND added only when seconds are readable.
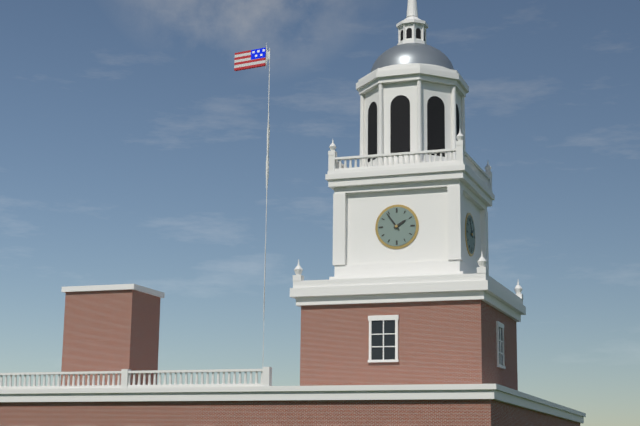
h=1 m=54
